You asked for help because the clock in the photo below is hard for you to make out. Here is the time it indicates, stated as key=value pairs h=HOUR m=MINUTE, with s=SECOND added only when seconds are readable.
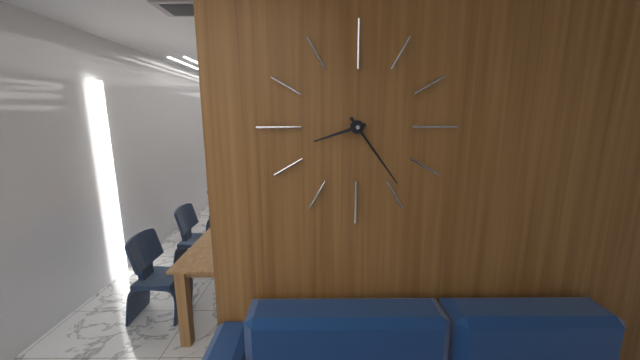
h=8 m=24
